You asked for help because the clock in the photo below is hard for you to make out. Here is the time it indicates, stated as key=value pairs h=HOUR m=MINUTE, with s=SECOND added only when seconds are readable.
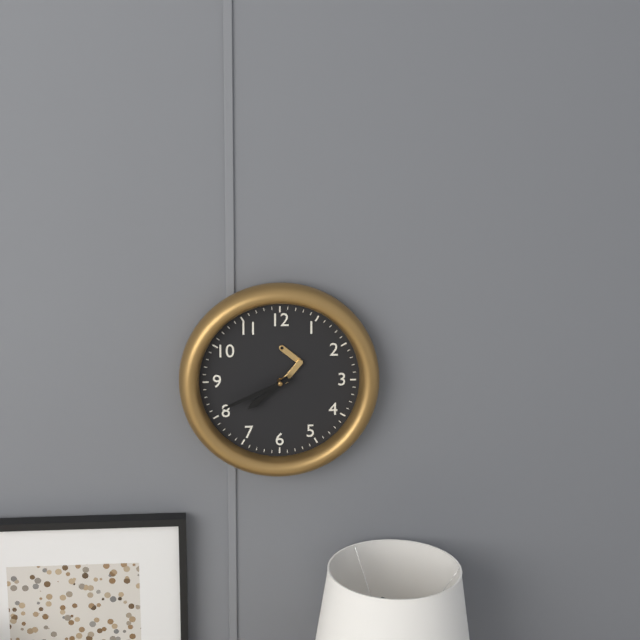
h=7 m=41
